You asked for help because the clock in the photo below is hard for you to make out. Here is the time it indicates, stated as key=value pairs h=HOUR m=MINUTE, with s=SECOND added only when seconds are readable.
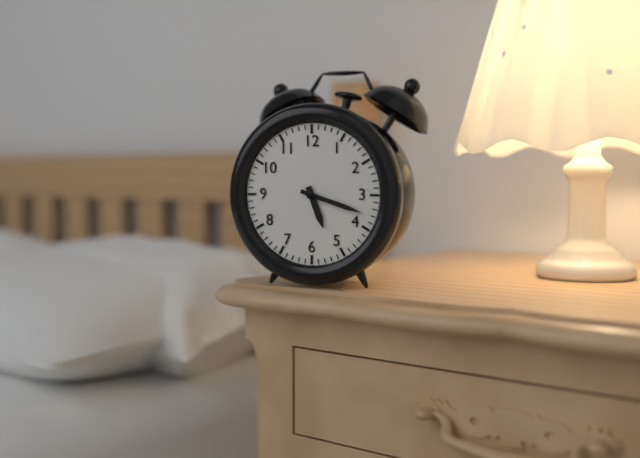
h=5 m=18
